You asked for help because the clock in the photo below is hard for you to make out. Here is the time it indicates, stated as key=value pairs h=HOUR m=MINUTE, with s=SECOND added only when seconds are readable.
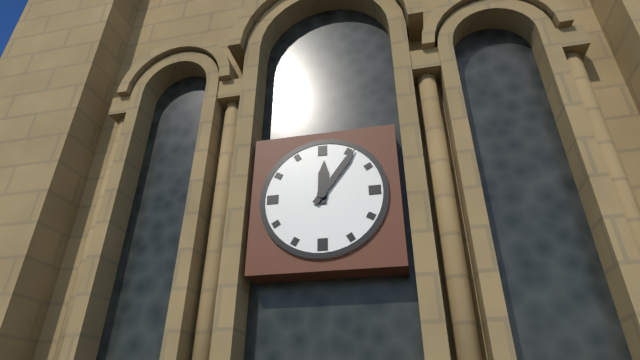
h=12 m=6
